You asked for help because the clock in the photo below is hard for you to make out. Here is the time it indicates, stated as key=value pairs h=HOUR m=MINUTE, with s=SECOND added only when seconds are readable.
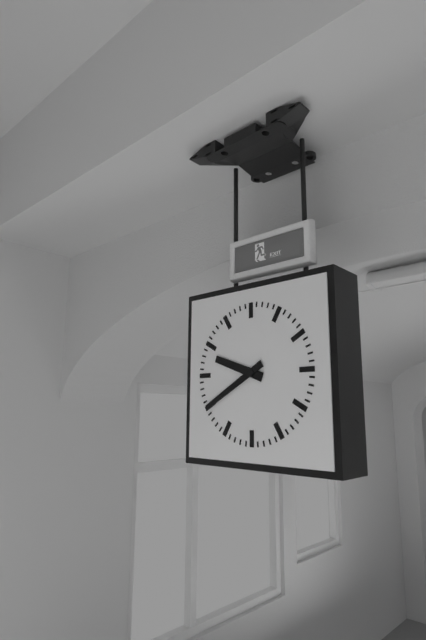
h=9 m=40
